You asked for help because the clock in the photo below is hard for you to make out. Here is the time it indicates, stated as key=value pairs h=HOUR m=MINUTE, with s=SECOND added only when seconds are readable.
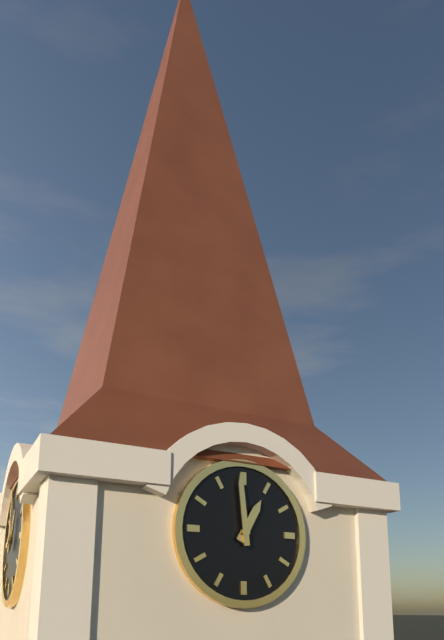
h=12 m=59
